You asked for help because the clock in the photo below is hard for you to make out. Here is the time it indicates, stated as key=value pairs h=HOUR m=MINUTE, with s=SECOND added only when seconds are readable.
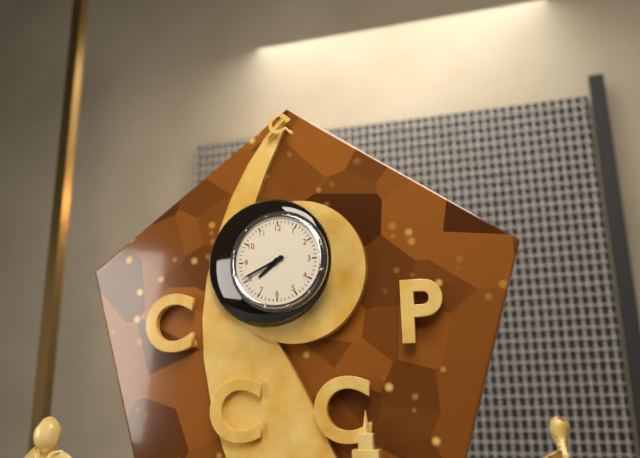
h=7 m=41
